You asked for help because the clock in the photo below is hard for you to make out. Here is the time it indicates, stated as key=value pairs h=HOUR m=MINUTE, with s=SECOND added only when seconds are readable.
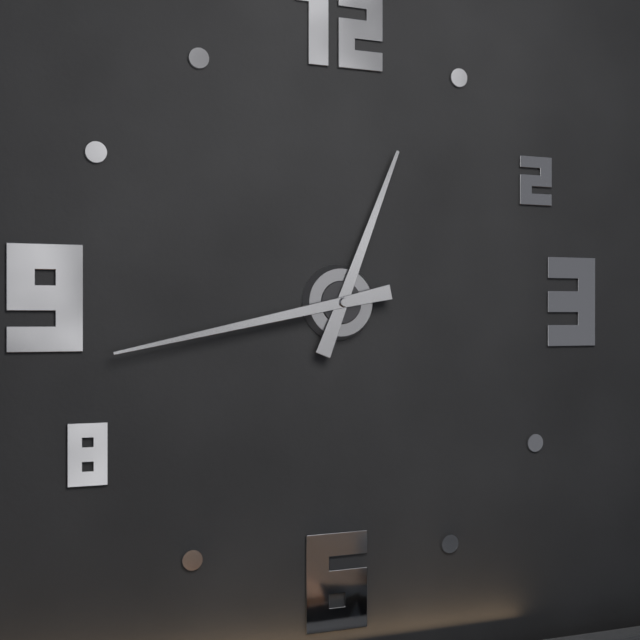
h=12 m=43
